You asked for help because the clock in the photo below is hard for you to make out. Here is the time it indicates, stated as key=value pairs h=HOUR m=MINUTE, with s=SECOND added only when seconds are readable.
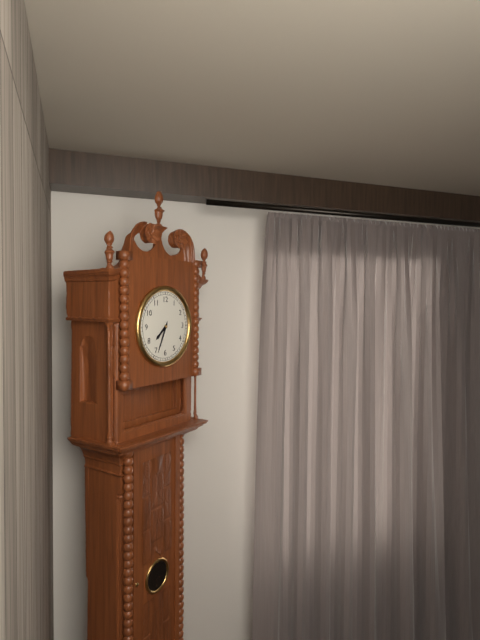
h=7 m=34
